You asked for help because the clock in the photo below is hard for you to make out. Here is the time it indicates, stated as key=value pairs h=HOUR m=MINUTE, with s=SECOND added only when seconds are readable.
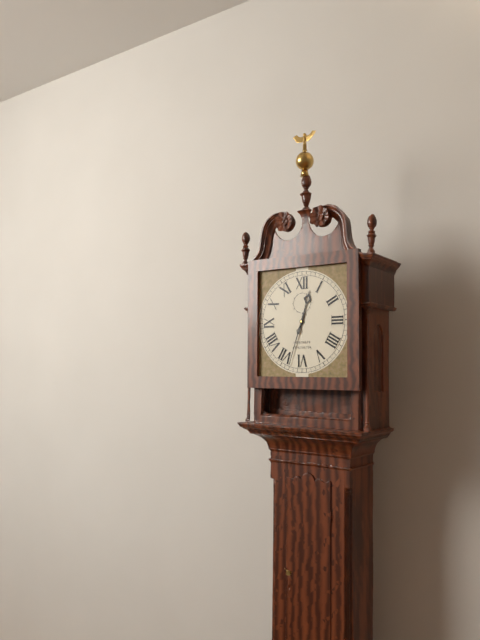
h=12 m=33
